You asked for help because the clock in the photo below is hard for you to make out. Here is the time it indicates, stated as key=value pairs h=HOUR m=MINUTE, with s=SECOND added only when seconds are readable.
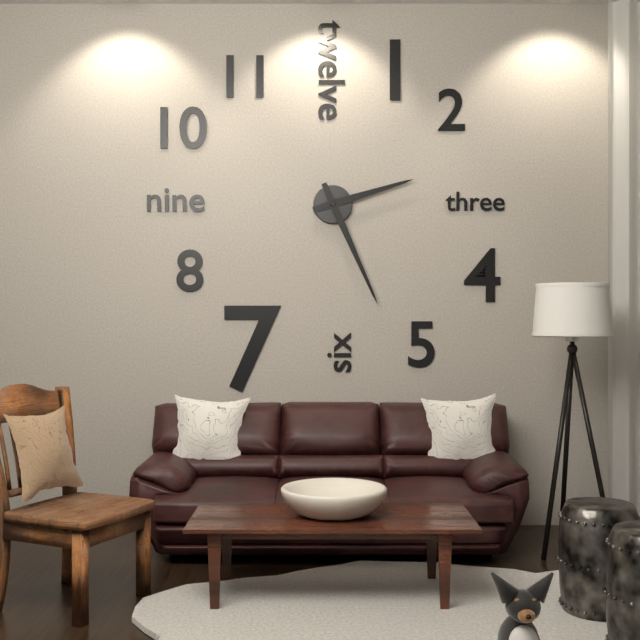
h=2 m=26
